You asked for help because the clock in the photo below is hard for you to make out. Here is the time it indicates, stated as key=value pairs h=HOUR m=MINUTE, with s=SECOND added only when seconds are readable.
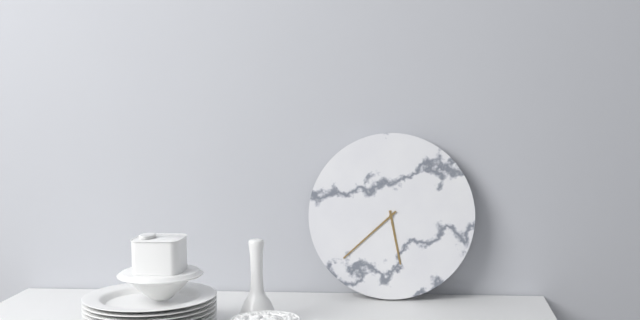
h=5 m=38
